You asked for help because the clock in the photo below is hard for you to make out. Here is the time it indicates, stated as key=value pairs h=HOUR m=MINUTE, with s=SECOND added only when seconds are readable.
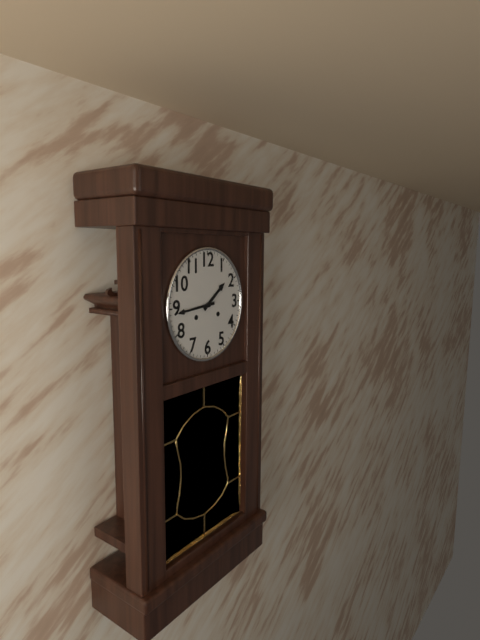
h=1 m=44
